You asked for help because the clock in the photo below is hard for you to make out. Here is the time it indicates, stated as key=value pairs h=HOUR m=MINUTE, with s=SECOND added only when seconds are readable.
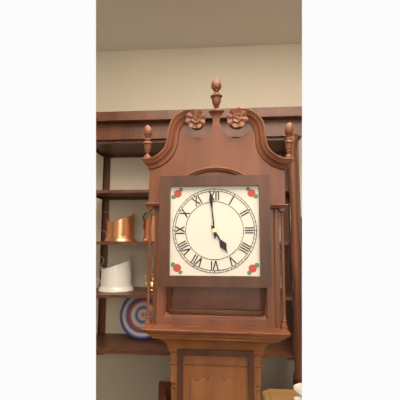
h=4 m=59
